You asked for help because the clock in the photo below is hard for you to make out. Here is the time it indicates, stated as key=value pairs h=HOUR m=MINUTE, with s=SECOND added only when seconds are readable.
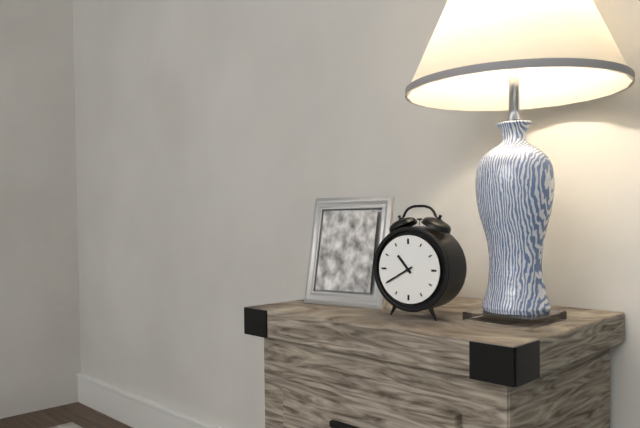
h=10 m=40
